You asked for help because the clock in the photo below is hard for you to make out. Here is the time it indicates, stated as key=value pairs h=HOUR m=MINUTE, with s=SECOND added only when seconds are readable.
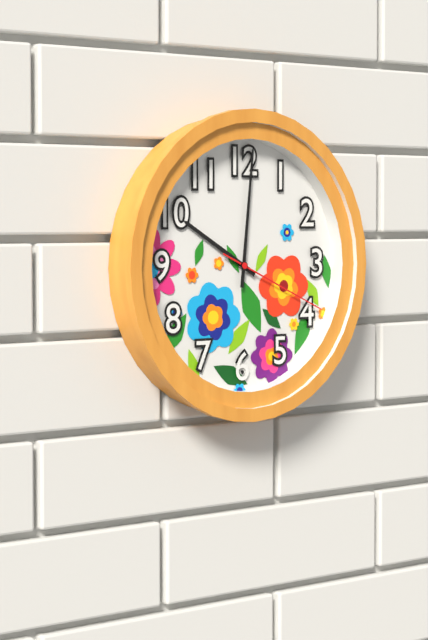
h=10 m=1 s=19
